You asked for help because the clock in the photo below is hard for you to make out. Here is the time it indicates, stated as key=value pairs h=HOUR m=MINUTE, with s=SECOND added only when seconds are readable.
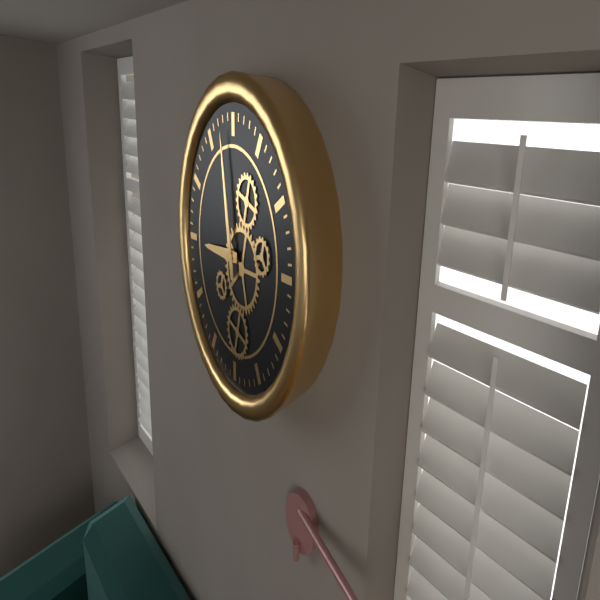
h=8 m=58
